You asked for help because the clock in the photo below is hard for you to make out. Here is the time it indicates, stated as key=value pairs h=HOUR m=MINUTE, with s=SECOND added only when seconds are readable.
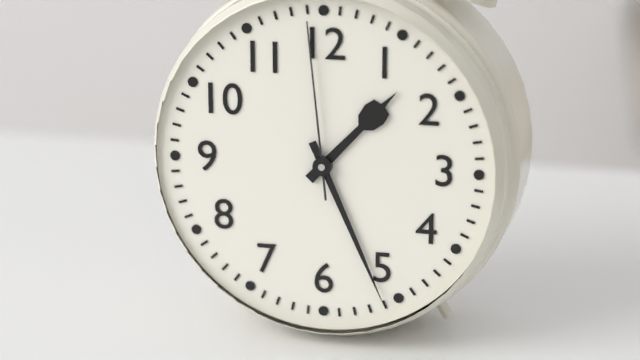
h=1 m=26 s=59
